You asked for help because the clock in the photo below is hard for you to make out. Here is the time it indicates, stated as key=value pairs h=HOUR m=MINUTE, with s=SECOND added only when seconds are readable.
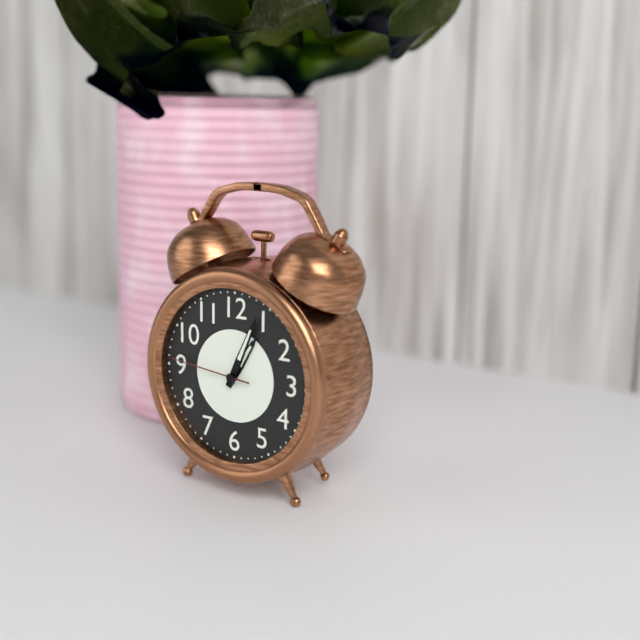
h=1 m=4 s=46
